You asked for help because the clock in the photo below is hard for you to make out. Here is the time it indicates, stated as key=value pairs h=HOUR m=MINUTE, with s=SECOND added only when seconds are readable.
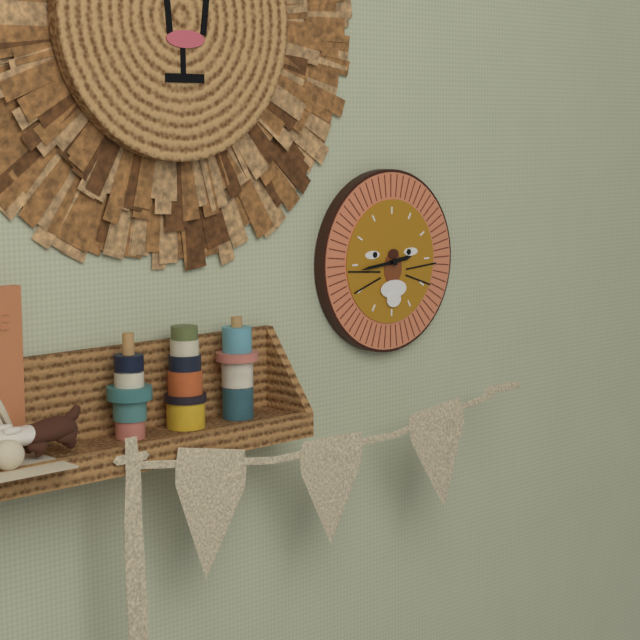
h=2 m=44
